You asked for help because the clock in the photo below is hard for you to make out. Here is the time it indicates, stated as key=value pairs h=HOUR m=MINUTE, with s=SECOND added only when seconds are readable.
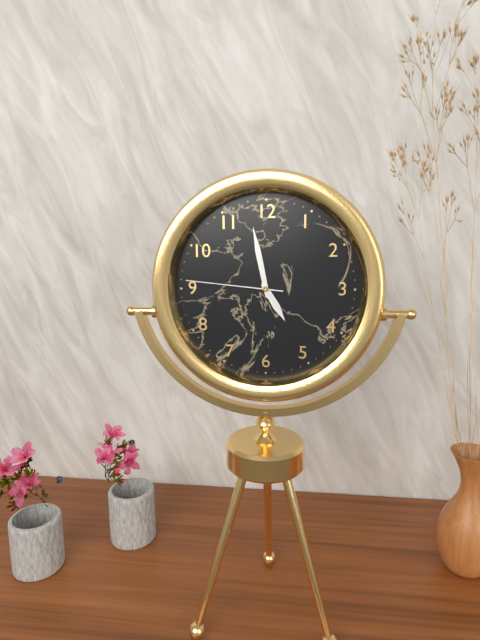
h=4 m=58 s=46
